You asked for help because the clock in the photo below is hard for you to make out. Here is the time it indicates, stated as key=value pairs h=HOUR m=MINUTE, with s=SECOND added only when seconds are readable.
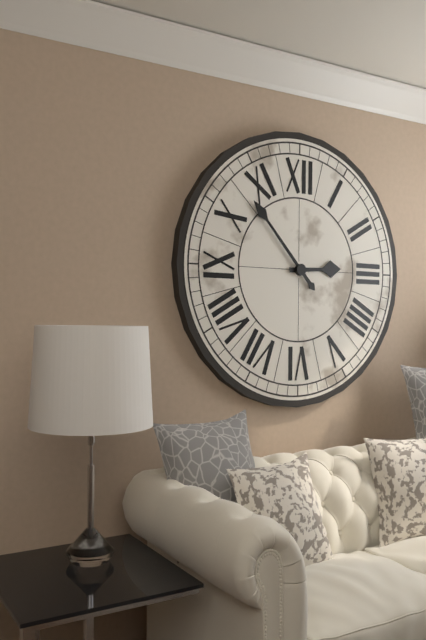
h=2 m=53
